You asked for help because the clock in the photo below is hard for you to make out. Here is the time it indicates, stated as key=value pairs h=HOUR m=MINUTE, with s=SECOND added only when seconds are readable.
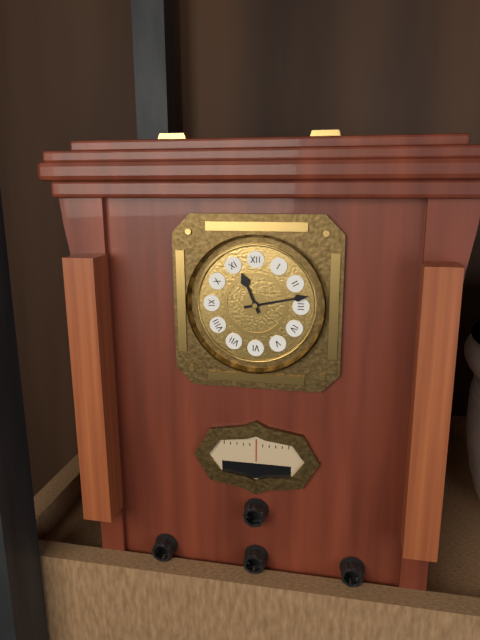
h=11 m=13
